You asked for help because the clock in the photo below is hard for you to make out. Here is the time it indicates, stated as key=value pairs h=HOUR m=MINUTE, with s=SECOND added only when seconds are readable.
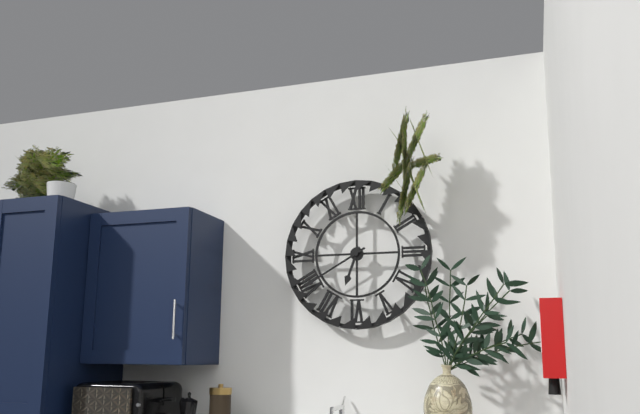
h=6 m=40
